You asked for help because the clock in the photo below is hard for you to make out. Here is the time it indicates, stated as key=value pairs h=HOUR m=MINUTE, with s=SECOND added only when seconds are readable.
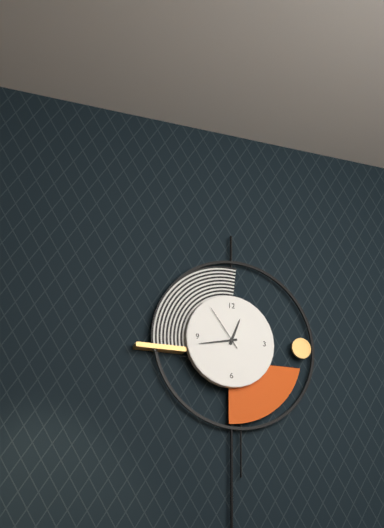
h=12 m=43
